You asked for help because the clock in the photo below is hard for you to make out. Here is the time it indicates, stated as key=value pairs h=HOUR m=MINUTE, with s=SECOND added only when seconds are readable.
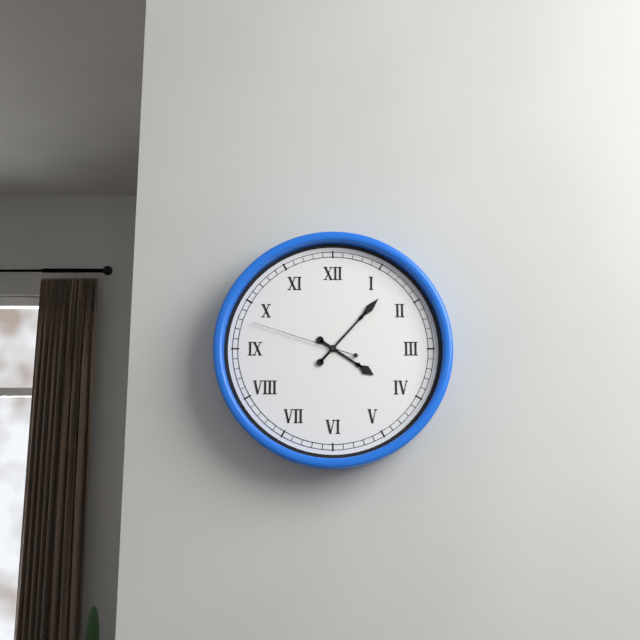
h=4 m=7 s=48
